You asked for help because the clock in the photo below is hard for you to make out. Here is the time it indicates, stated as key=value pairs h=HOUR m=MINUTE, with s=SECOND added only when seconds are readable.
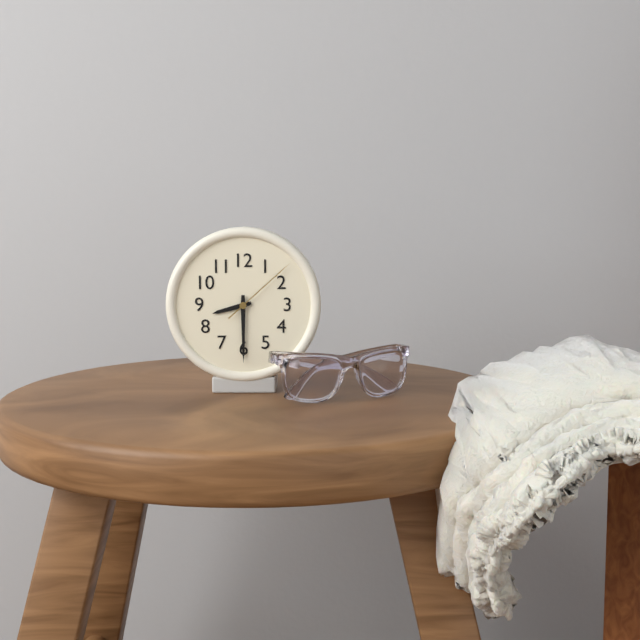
h=8 m=30 s=8
